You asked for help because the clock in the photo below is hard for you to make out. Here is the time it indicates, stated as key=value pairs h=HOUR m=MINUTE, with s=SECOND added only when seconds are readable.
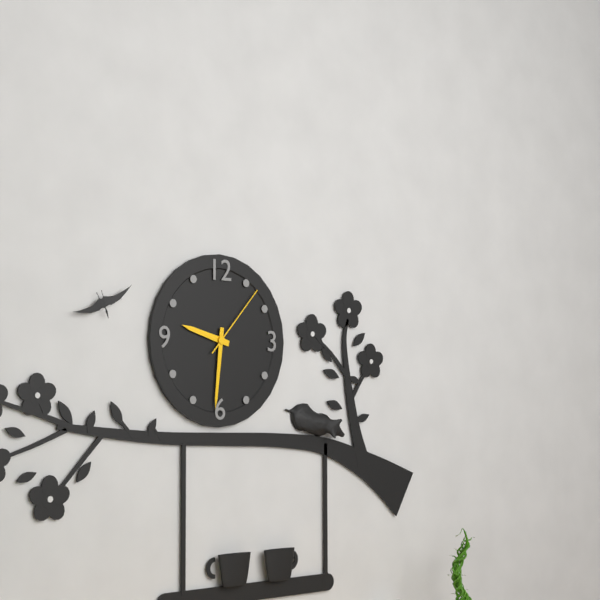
h=9 m=31 s=7
